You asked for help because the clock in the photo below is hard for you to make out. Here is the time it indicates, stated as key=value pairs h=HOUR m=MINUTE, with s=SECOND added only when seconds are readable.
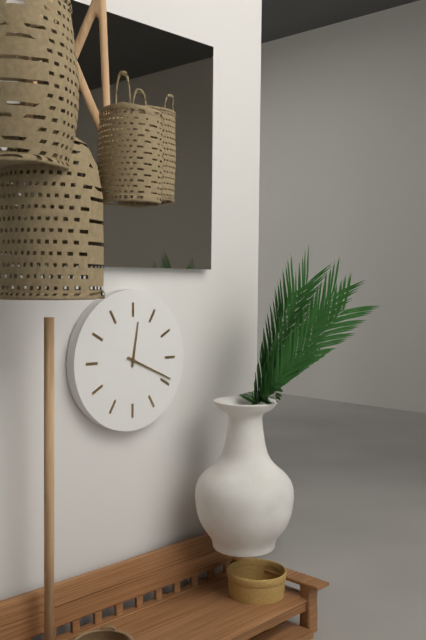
h=12 m=19
